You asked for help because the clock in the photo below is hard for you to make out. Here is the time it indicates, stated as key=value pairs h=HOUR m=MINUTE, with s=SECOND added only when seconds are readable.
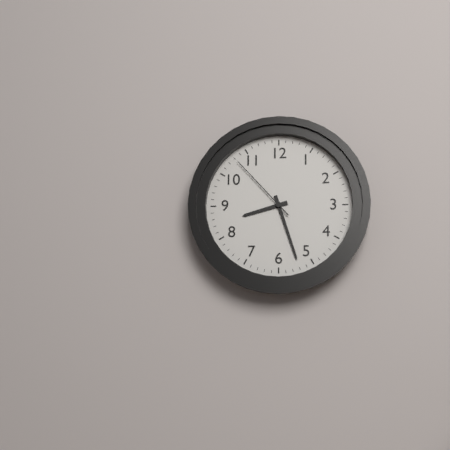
h=8 m=27 s=53
